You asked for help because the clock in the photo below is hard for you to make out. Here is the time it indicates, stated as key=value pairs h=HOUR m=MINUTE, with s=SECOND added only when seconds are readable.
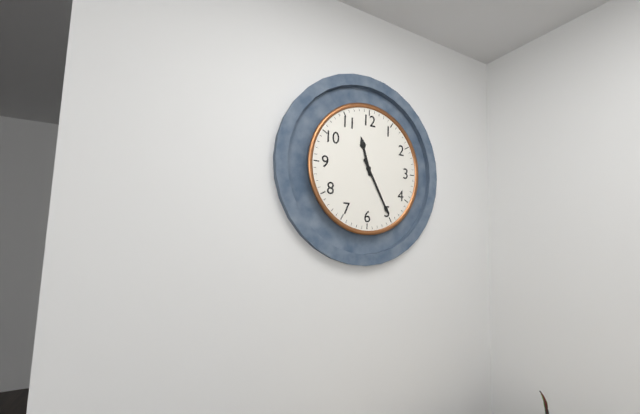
h=11 m=25
